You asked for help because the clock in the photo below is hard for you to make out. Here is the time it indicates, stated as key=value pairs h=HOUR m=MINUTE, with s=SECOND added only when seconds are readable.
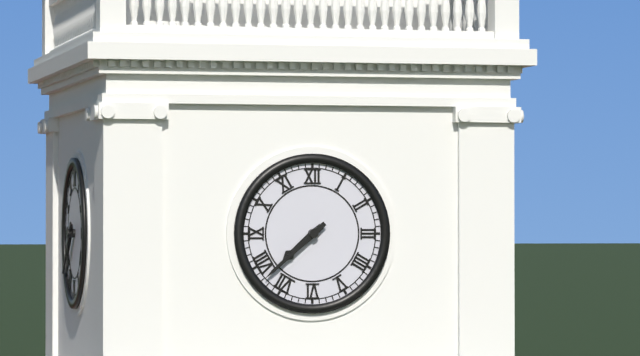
h=7 m=38
